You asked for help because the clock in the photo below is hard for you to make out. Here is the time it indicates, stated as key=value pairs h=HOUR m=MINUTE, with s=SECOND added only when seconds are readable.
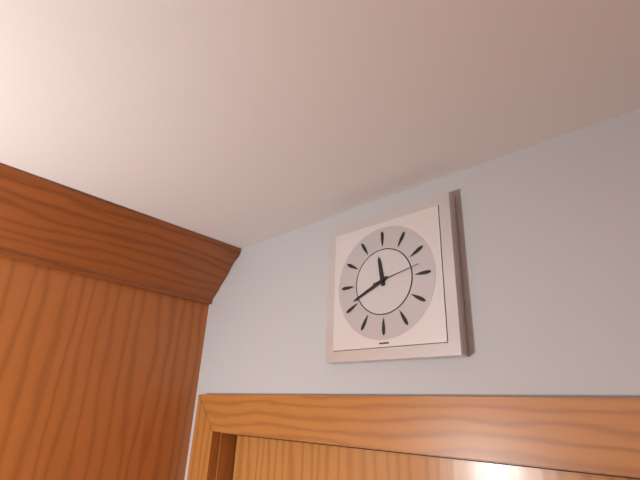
h=11 m=41 s=13
